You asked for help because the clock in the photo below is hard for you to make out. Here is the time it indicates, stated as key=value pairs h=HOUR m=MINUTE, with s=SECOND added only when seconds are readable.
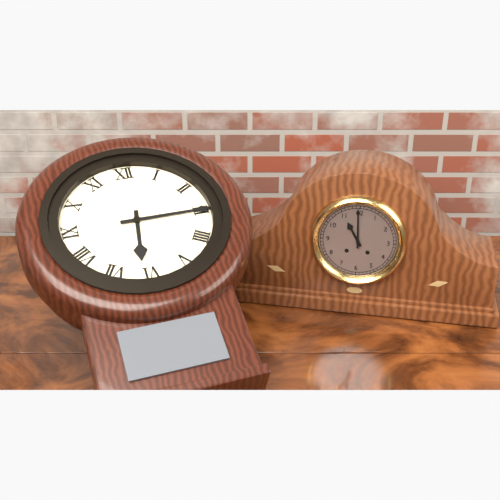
h=6 m=15
